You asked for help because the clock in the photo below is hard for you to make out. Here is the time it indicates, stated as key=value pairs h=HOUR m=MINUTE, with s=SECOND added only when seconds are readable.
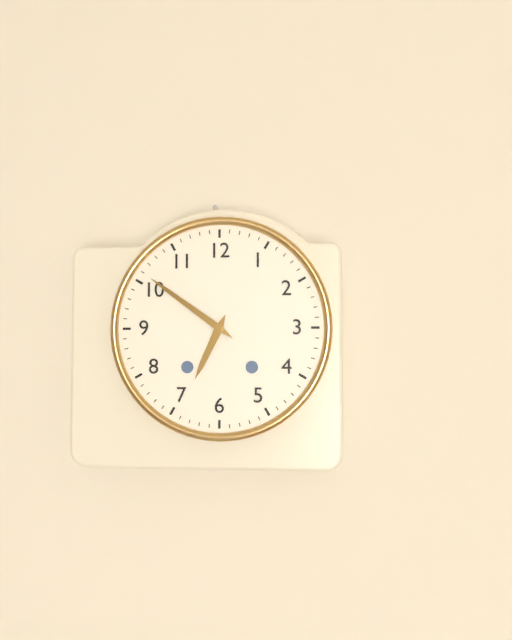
h=6 m=51
